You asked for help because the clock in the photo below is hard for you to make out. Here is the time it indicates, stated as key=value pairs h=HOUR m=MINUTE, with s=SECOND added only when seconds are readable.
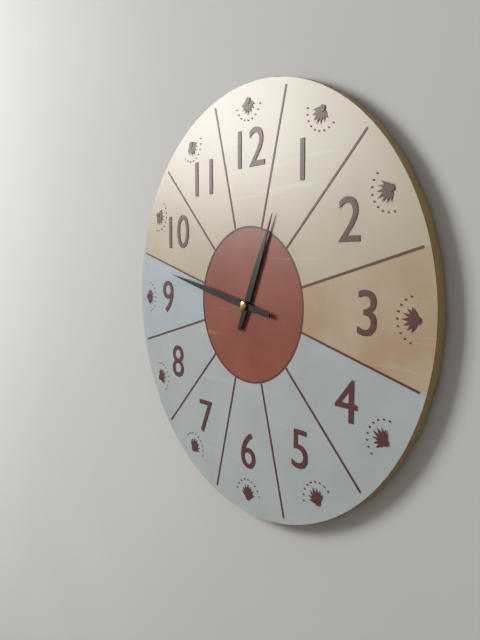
h=12 m=47
